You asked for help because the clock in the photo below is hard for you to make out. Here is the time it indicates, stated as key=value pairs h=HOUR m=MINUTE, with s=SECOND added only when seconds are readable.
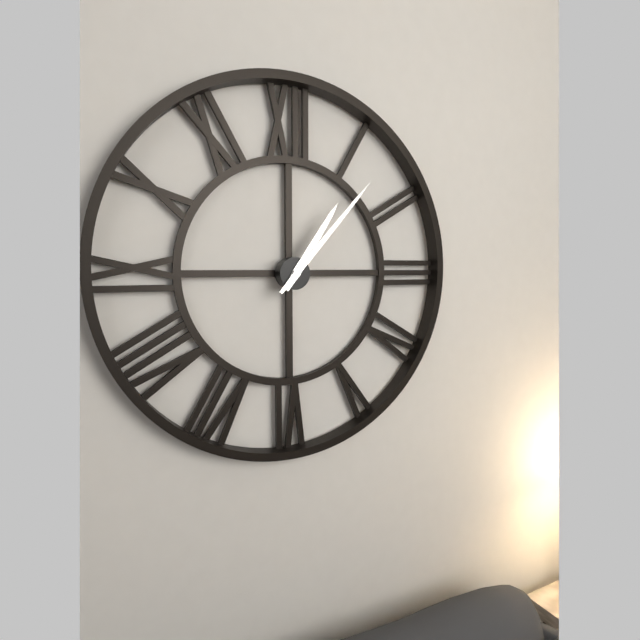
h=1 m=7
